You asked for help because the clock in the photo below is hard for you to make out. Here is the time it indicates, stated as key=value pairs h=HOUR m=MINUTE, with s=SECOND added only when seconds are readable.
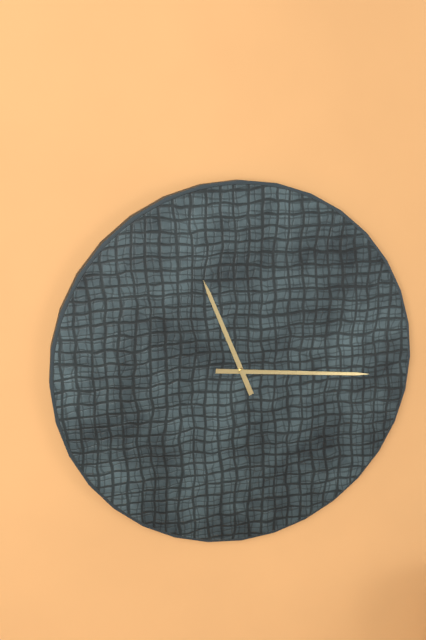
h=11 m=16
